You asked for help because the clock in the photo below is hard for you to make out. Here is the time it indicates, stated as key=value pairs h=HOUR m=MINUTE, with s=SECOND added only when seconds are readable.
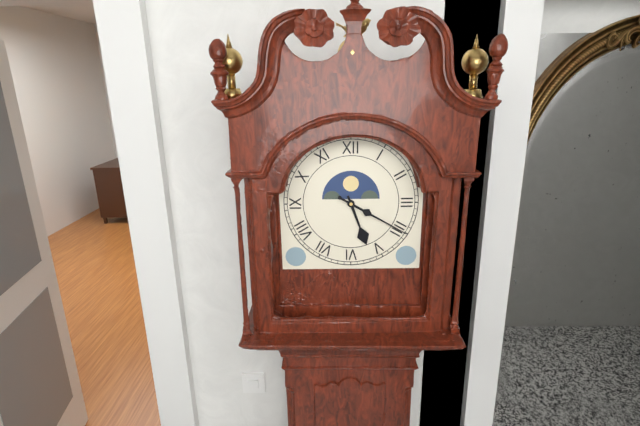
h=5 m=20
